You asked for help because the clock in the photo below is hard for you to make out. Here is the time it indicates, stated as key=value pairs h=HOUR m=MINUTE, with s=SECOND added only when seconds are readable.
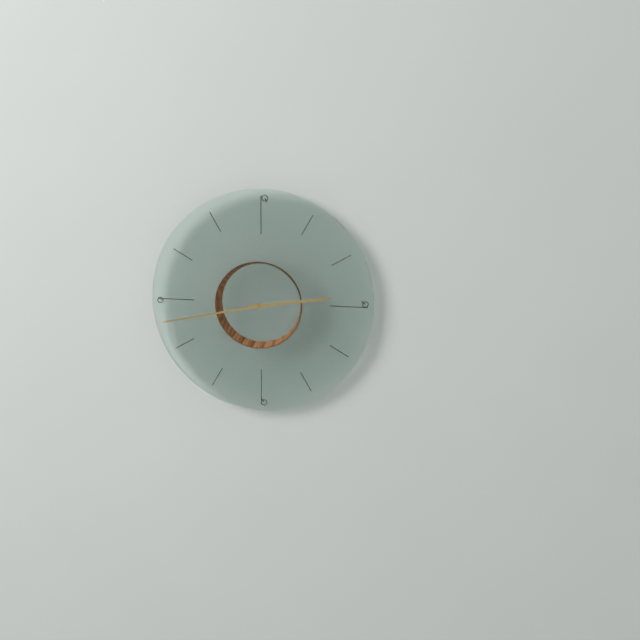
h=2 m=43
